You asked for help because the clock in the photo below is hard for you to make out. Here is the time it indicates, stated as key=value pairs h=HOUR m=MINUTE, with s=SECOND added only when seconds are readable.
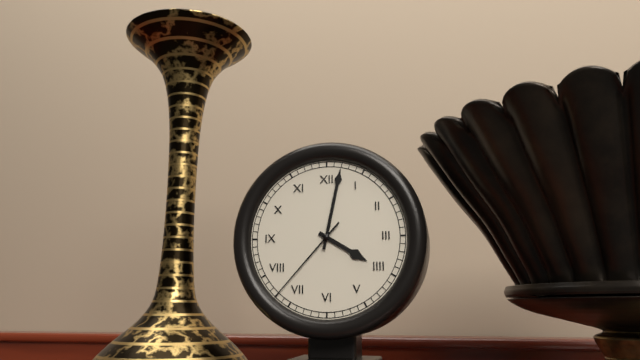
h=4 m=2 s=37
